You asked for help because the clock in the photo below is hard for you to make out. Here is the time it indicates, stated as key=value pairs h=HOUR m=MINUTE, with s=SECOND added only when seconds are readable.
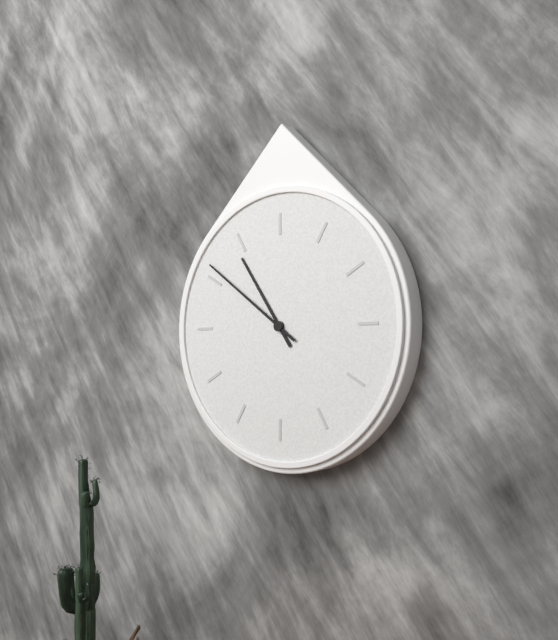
h=10 m=51
